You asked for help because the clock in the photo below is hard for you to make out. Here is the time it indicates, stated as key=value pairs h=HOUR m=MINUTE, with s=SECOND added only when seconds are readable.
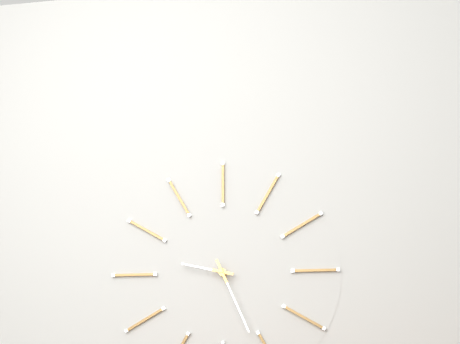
h=9 m=26
